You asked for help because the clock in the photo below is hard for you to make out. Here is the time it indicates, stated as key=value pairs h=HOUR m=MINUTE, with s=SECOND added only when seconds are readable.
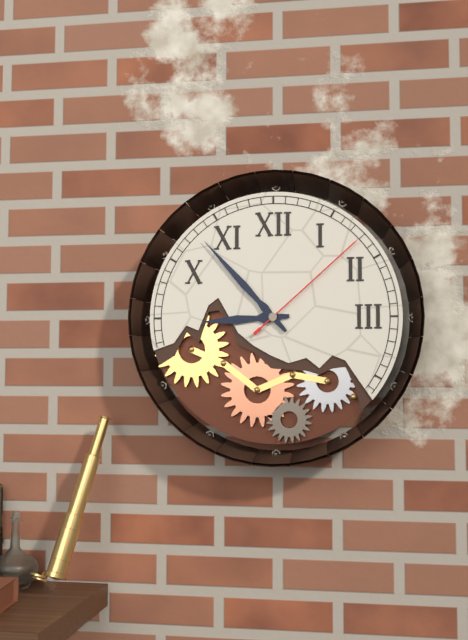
h=8 m=53 s=8
